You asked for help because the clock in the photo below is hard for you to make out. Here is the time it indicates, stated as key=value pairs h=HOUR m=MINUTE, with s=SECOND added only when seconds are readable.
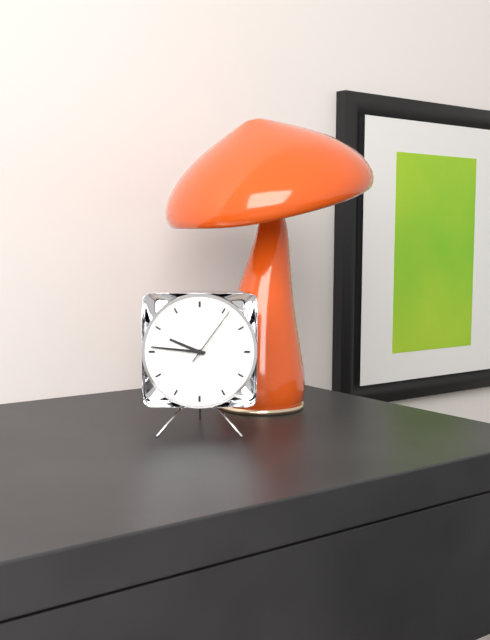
h=9 m=46 s=6
